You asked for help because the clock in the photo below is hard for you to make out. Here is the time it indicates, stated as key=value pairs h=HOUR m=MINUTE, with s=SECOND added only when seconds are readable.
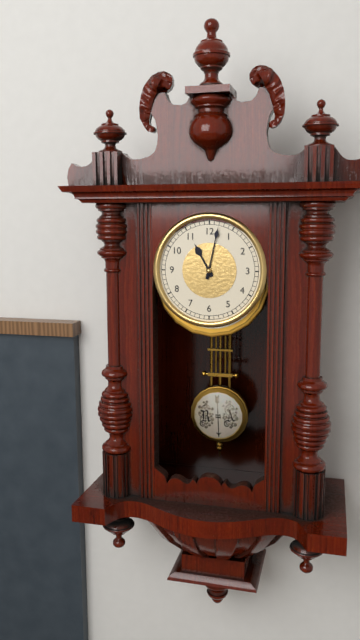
h=11 m=2
